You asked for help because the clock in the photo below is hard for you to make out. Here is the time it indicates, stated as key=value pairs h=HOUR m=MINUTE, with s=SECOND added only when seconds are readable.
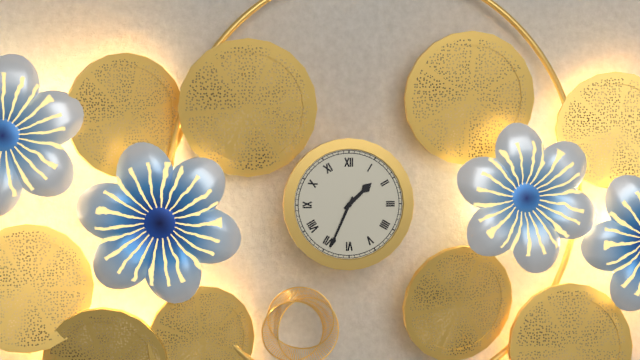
h=1 m=34
